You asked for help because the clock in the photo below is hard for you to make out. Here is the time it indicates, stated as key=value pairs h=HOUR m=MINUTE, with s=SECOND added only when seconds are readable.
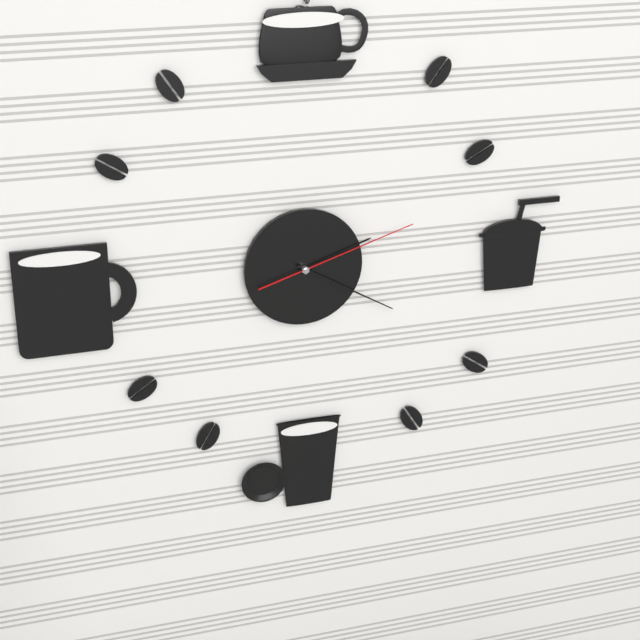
h=2 m=20 s=12
